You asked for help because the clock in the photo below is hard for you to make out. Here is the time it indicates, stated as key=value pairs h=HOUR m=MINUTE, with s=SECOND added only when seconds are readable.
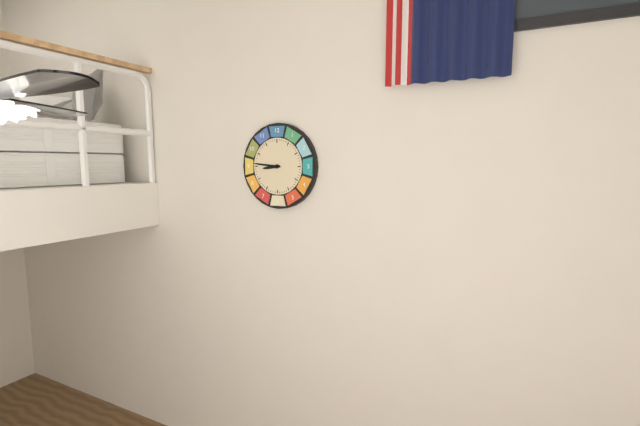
h=8 m=46
